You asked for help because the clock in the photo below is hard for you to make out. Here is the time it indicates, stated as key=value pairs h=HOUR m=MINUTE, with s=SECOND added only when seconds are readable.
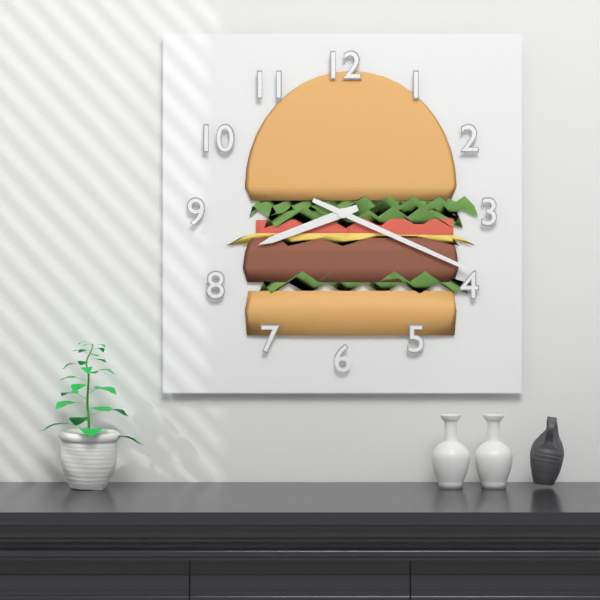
h=8 m=19
